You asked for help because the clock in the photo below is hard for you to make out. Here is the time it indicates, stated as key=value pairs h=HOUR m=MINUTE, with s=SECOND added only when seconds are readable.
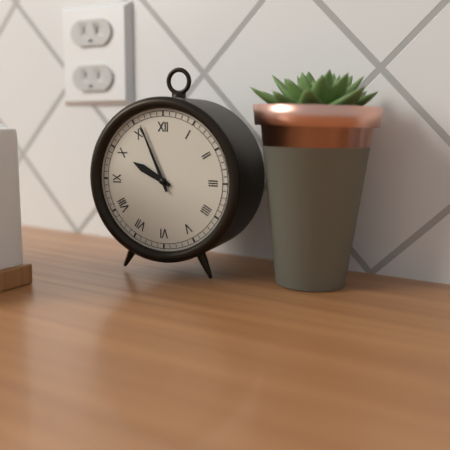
h=9 m=56
